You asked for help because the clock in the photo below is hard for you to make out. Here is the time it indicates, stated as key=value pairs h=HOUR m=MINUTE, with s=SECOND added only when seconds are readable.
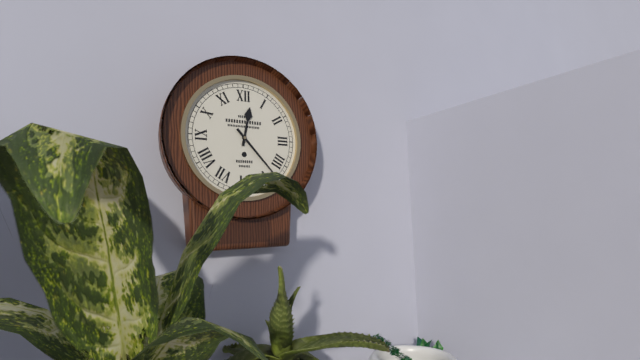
h=12 m=23
